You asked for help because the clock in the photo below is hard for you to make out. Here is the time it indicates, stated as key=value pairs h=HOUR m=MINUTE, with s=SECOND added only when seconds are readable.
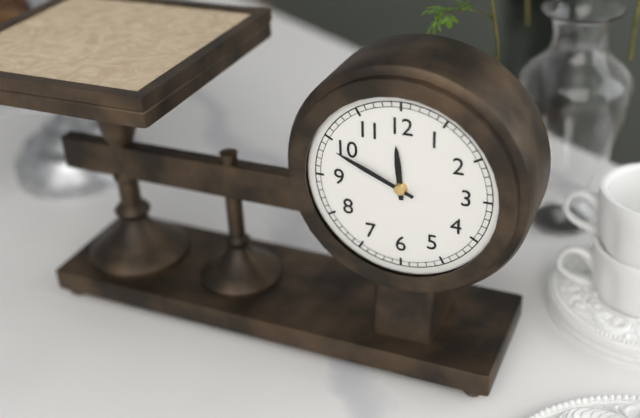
h=11 m=49
